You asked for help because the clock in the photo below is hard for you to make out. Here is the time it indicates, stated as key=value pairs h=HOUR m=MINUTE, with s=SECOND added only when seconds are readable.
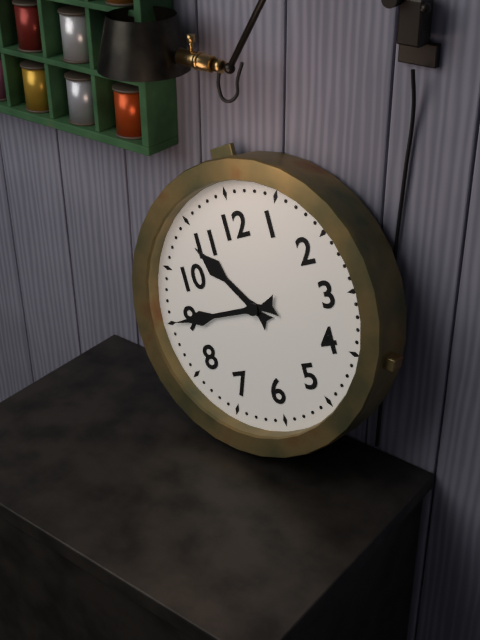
h=10 m=45
